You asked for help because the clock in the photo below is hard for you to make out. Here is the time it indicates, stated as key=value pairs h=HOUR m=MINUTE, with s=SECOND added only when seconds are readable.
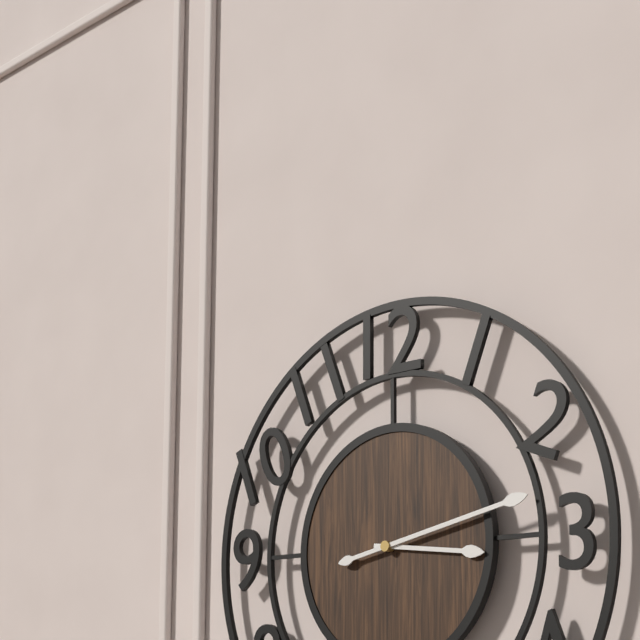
h=3 m=13
